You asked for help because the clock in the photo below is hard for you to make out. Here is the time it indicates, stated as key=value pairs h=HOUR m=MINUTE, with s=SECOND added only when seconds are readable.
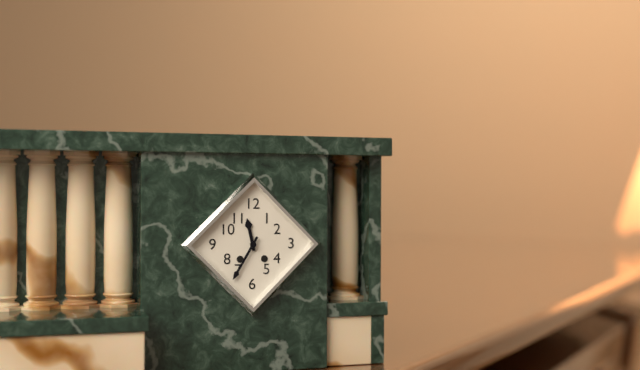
h=11 m=35
